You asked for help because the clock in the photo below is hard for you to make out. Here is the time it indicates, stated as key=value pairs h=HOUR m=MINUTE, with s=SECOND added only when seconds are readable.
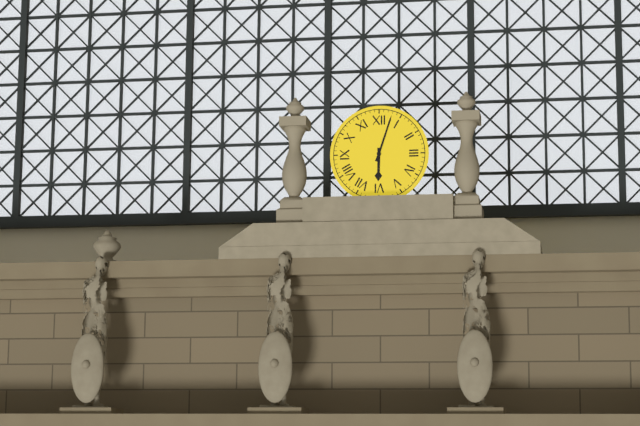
h=6 m=3
